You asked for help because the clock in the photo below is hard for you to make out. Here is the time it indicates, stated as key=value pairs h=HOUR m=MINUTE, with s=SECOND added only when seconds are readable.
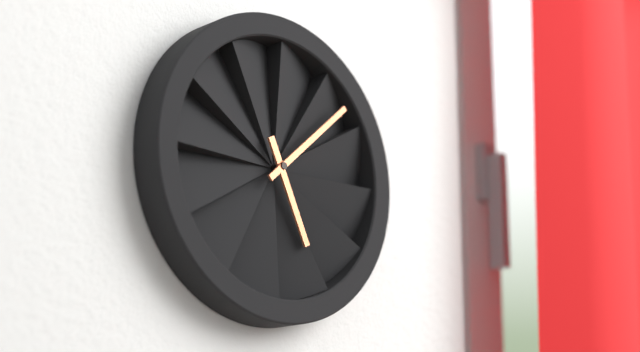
h=5 m=8
